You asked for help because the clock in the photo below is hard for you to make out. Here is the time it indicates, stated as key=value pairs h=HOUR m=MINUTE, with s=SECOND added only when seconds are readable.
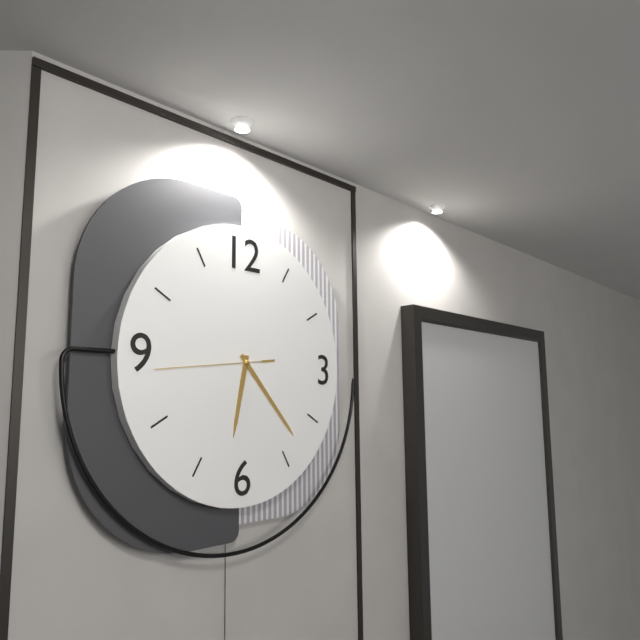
h=6 m=23 s=44
